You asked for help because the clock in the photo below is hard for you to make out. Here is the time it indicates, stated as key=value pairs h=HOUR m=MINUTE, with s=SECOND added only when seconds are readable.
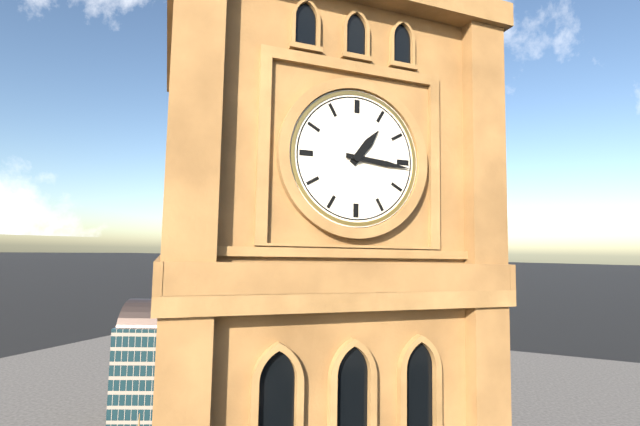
h=1 m=16
